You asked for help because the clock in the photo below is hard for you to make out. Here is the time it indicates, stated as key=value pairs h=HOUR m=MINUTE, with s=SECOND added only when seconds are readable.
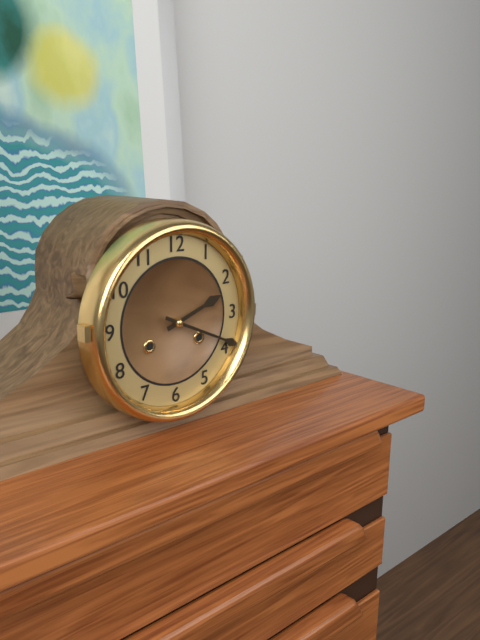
h=2 m=19
